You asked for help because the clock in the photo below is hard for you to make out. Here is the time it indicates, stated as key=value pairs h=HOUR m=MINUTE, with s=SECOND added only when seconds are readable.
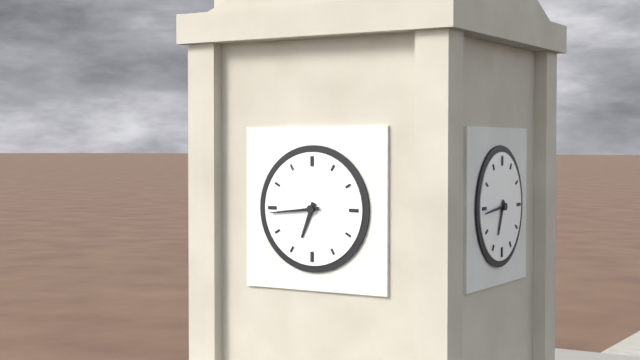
h=6 m=44
